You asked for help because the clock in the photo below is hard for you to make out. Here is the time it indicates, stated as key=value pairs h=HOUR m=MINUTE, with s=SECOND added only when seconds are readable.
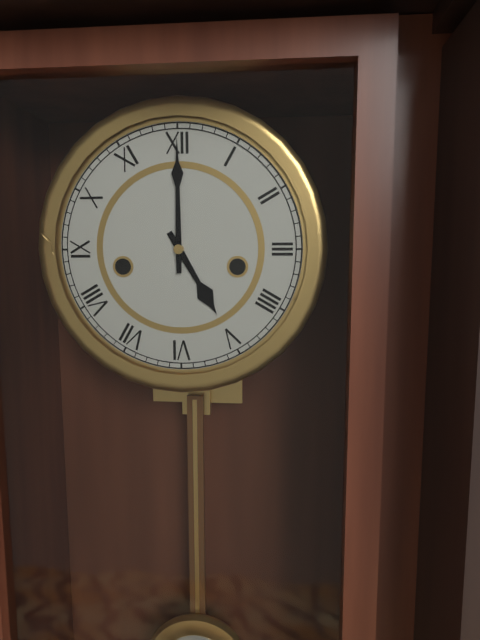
h=5 m=0
